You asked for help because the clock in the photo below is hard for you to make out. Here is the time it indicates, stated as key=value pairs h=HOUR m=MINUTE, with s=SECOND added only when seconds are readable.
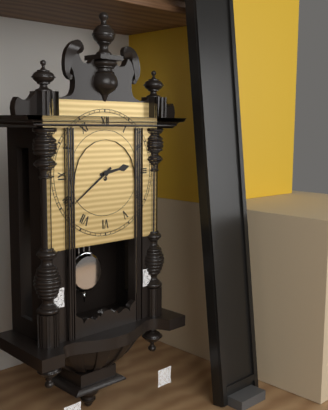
h=2 m=39
